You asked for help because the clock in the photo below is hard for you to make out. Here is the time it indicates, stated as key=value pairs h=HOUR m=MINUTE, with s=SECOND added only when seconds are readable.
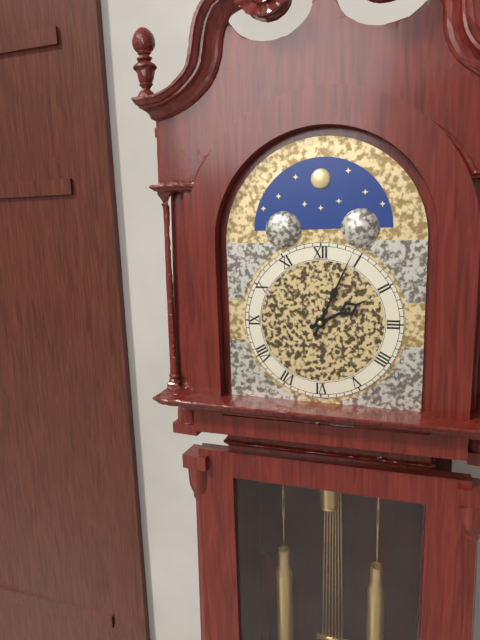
h=2 m=4
